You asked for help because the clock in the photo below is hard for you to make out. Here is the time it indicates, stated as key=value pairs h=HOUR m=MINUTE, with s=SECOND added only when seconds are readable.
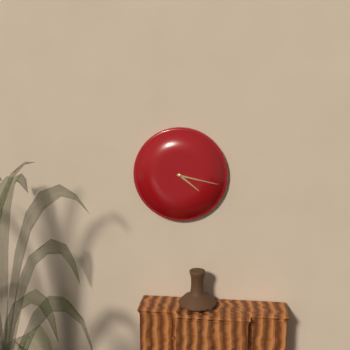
h=4 m=17
